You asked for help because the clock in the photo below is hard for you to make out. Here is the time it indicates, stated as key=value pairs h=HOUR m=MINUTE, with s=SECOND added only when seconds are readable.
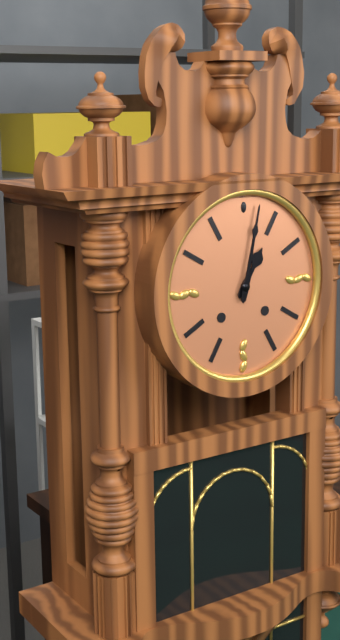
h=1 m=2
